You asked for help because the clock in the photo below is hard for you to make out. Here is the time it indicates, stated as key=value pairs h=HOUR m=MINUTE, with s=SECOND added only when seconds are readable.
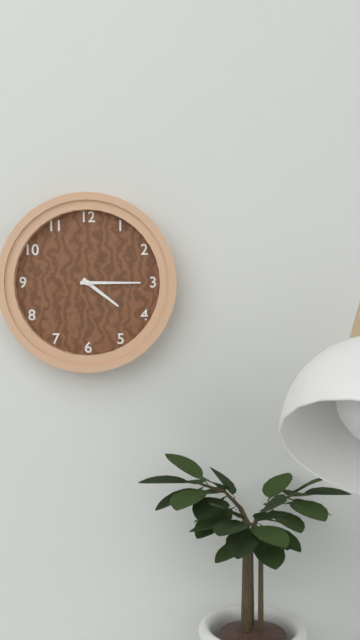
h=4 m=15
